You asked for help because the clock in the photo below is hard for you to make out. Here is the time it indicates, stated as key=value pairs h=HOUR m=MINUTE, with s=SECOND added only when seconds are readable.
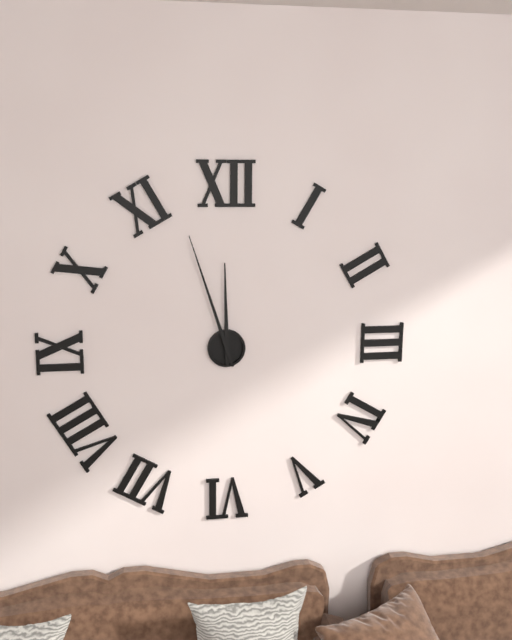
h=11 m=57
